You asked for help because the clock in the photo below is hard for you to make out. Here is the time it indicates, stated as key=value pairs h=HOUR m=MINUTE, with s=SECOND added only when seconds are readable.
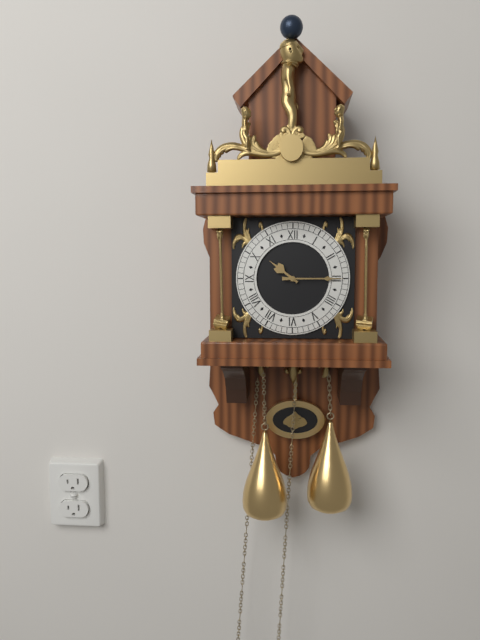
h=10 m=15
